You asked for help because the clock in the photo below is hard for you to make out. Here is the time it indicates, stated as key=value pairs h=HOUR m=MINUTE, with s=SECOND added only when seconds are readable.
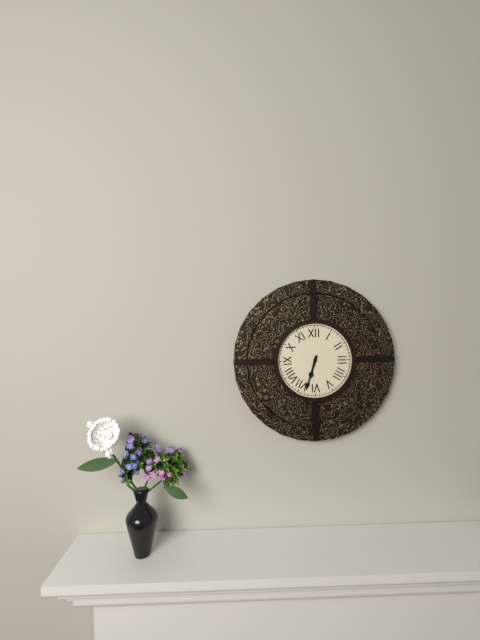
h=6 m=33
